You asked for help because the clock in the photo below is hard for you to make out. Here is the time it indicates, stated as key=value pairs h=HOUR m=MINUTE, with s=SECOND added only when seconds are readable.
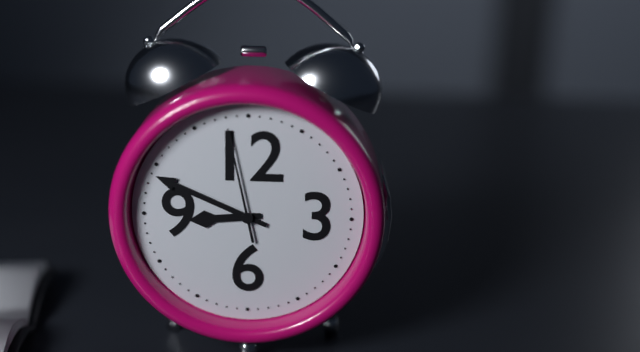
h=8 m=49 s=58
